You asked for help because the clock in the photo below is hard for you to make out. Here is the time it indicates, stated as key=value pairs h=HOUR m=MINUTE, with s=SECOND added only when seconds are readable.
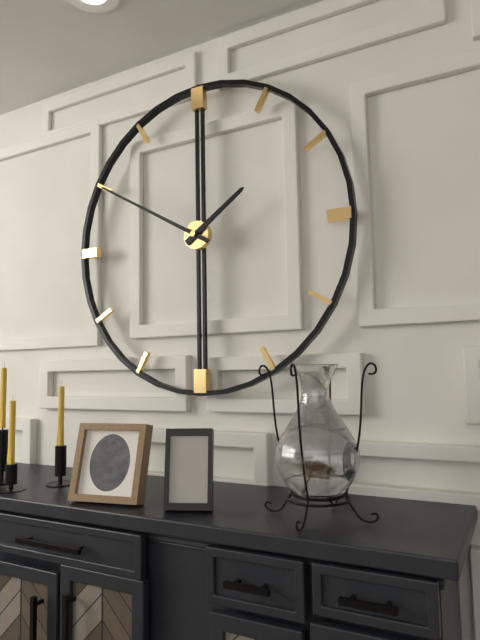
h=1 m=50
